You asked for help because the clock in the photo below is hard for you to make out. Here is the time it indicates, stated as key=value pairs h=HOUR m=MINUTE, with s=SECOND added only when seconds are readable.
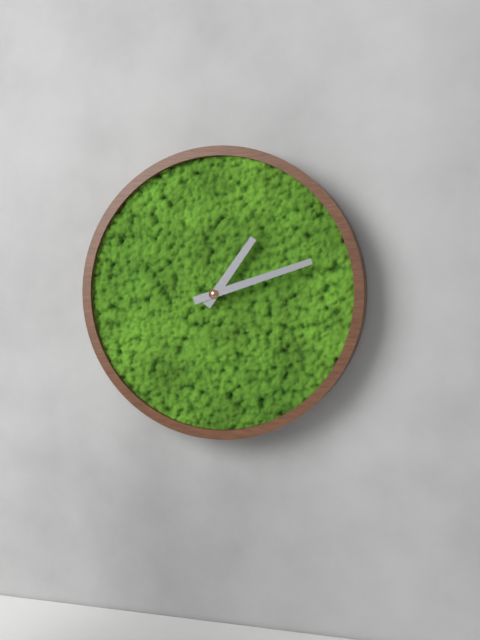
h=1 m=12
